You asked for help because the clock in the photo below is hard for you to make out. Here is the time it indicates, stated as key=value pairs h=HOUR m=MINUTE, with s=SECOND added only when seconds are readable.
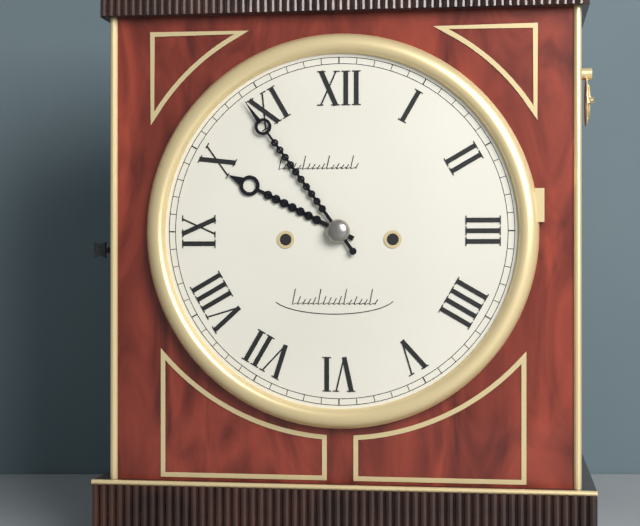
h=9 m=54
